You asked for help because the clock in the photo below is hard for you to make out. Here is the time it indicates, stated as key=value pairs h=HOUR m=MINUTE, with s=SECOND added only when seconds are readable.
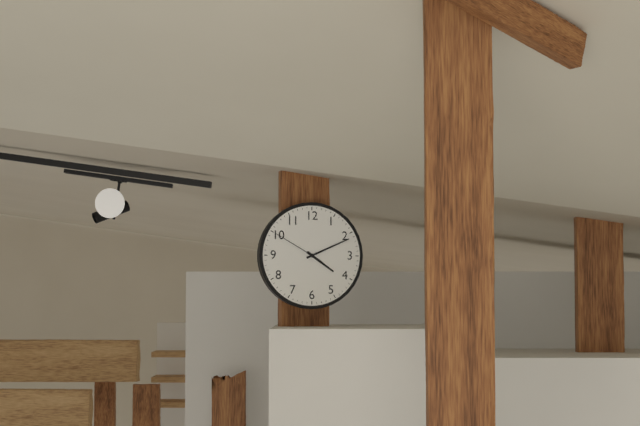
h=4 m=11 s=50
